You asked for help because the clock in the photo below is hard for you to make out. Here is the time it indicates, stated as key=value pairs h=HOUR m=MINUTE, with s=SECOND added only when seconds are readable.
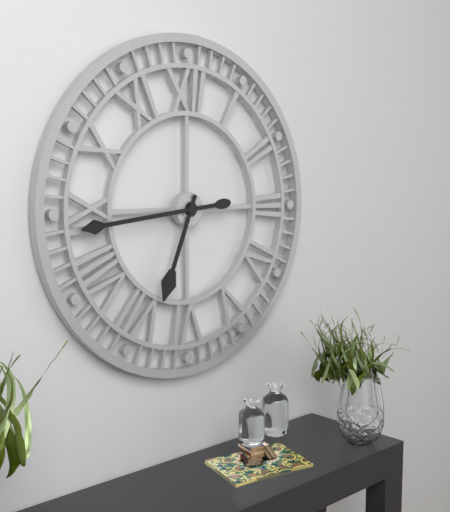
h=6 m=44
